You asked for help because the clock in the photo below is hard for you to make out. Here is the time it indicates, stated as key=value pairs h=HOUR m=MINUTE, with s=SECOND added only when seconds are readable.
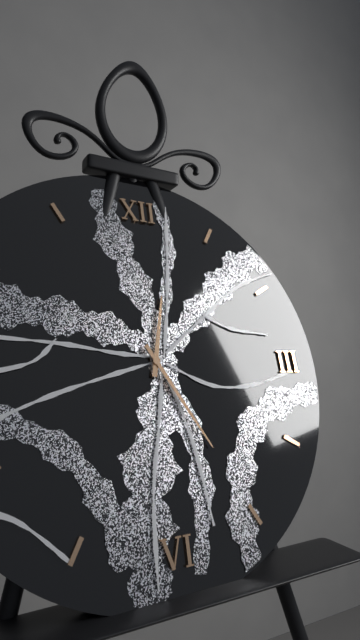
h=12 m=25
